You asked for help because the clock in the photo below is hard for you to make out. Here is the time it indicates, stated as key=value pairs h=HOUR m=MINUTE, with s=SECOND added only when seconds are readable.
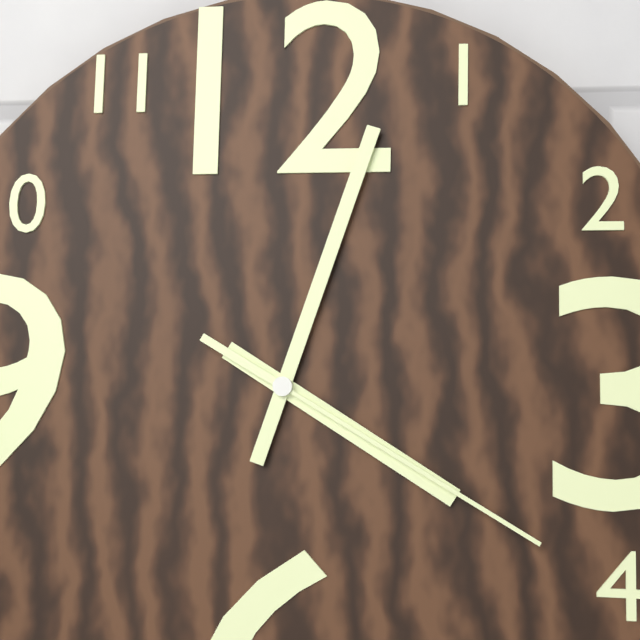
h=4 m=3 s=20
